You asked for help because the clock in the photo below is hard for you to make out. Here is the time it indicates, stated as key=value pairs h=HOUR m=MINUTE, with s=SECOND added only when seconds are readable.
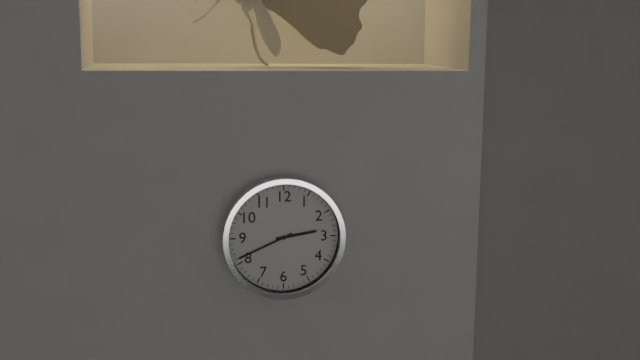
h=2 m=41
